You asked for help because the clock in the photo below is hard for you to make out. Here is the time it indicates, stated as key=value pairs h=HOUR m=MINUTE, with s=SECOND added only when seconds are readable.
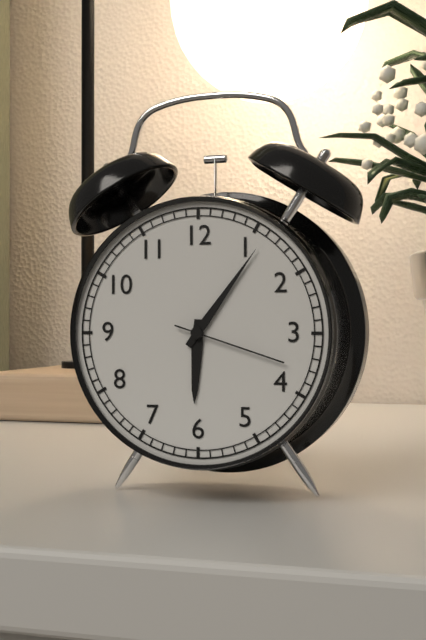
h=6 m=6 s=18
